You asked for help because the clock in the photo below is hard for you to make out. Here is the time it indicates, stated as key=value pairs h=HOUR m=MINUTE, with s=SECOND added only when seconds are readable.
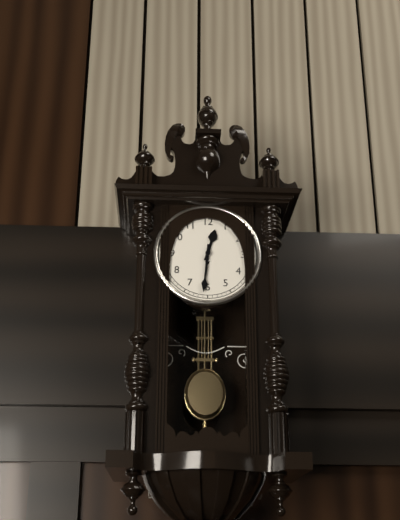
h=12 m=31
